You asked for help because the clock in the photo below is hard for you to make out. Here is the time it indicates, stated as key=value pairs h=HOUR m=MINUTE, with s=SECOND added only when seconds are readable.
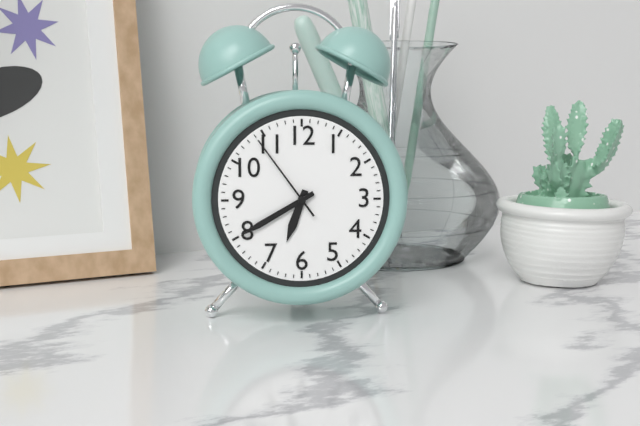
h=6 m=40 s=54
